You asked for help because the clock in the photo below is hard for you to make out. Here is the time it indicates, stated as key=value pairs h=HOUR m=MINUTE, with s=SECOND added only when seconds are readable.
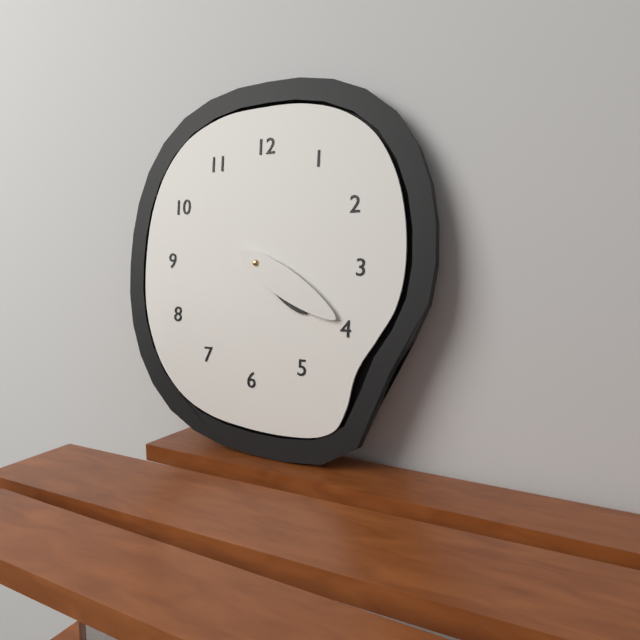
h=4 m=20
